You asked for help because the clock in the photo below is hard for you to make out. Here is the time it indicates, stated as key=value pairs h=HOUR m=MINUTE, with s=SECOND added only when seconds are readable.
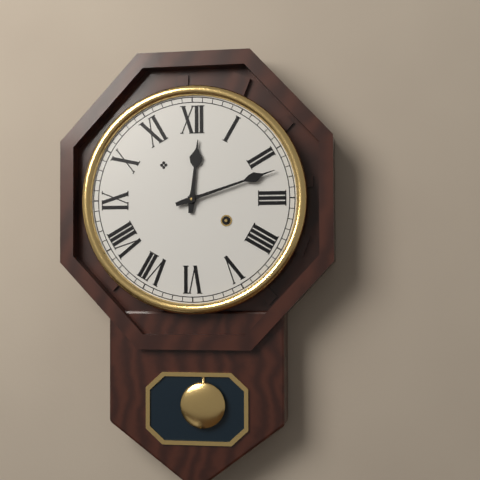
h=12 m=12
